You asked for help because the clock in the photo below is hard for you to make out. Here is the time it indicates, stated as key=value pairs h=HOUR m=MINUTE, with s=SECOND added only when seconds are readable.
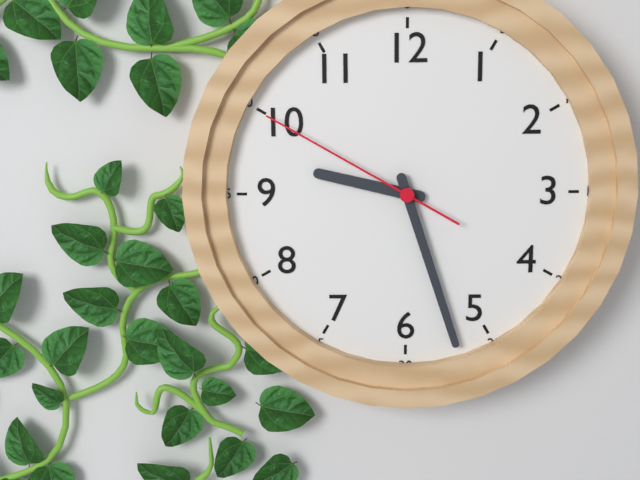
h=9 m=27 s=50
